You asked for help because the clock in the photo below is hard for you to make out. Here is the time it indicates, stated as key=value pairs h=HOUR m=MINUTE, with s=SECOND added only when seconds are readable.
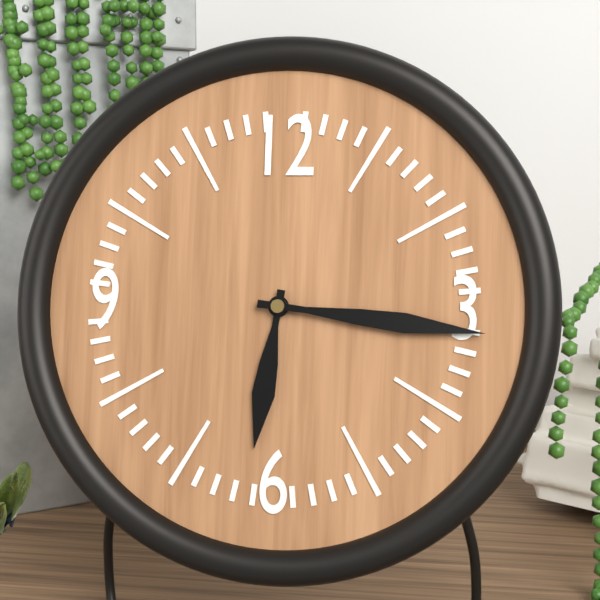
h=6 m=16
